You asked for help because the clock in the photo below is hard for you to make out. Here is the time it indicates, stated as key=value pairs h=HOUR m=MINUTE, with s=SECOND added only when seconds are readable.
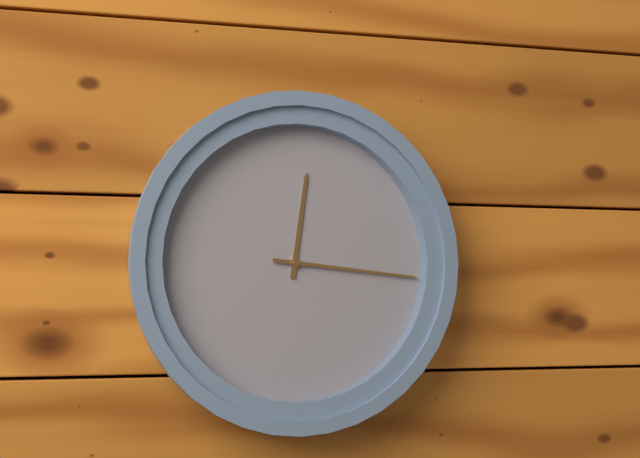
h=12 m=16
